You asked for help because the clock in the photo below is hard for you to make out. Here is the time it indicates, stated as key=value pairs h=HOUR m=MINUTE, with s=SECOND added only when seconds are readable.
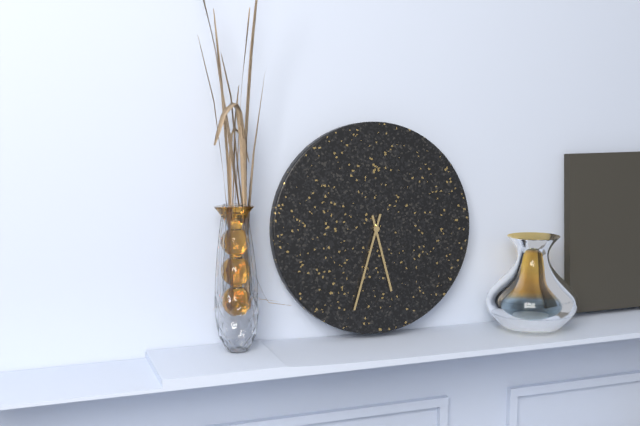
h=5 m=33
